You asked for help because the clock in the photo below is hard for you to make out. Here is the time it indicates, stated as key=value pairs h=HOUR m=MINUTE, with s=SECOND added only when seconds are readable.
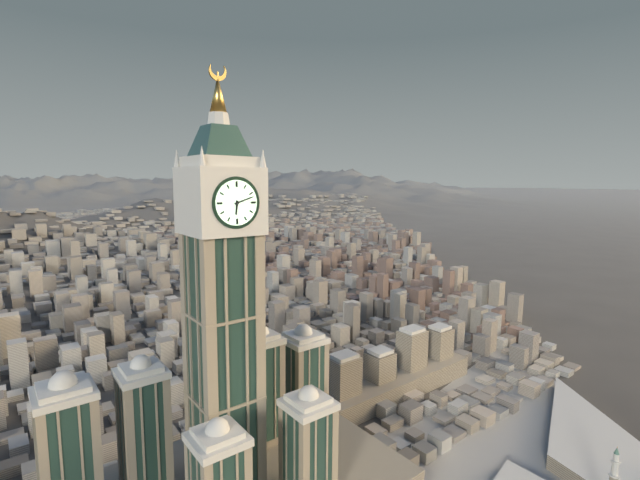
h=6 m=12
